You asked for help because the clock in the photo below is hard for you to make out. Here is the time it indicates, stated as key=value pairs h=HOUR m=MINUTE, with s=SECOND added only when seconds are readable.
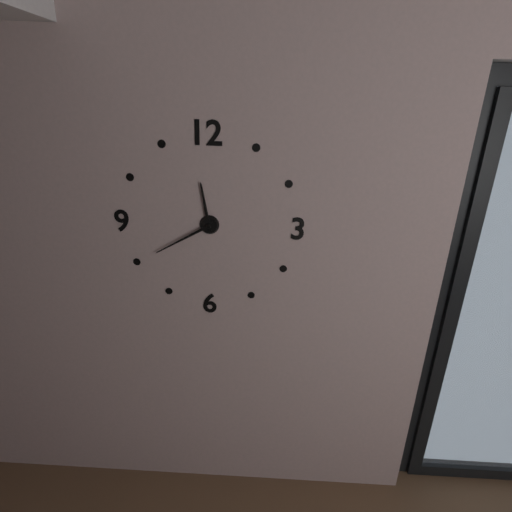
h=11 m=40
